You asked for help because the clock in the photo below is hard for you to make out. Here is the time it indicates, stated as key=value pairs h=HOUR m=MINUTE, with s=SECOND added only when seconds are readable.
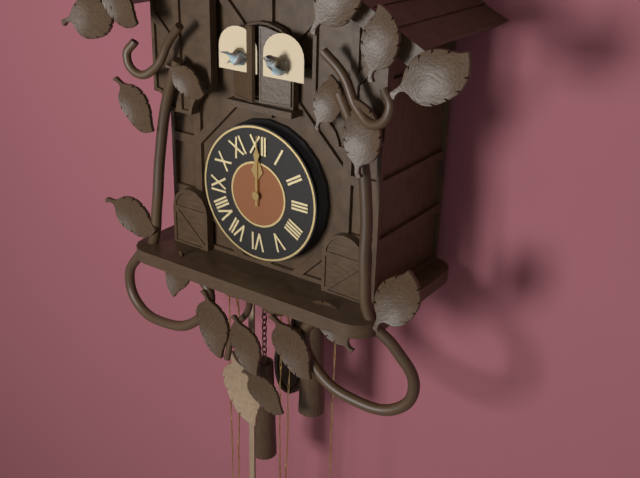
h=12 m=0
